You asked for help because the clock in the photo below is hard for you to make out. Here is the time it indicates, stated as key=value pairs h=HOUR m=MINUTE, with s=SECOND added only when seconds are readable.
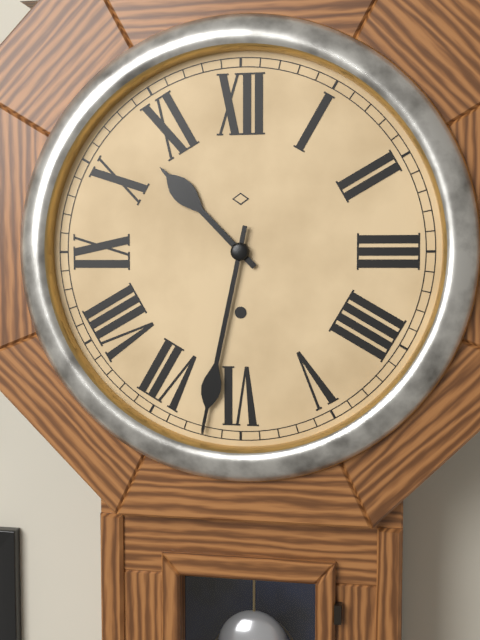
h=10 m=32
